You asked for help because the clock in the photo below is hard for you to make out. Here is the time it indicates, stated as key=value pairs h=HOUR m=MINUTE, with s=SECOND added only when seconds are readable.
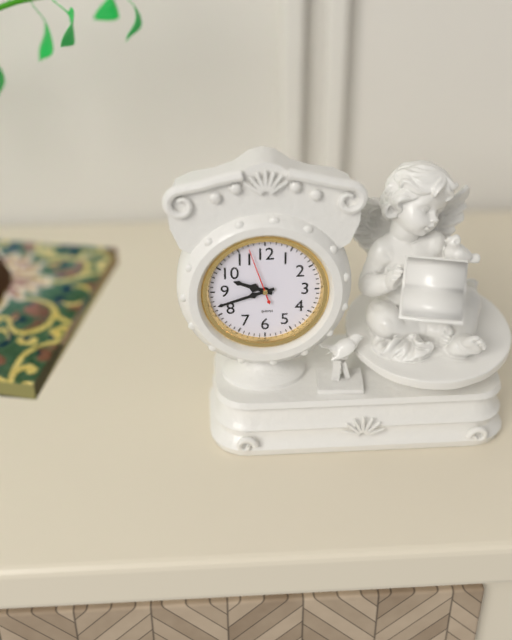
h=9 m=42 s=57
